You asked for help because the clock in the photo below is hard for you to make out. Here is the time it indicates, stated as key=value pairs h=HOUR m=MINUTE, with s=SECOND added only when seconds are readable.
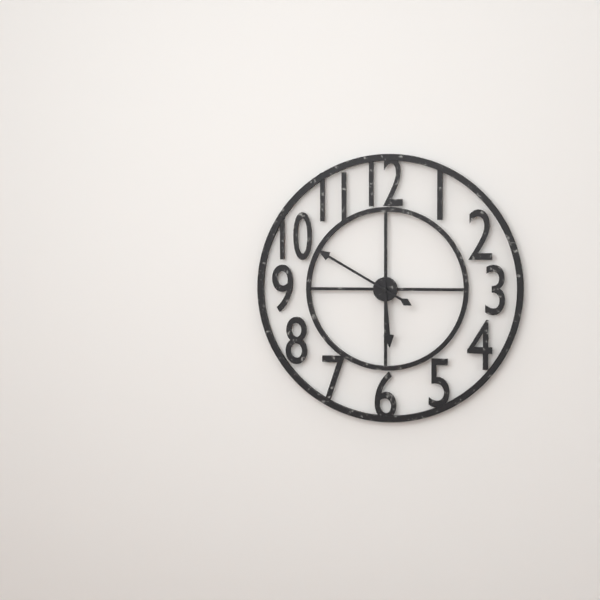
h=5 m=50
